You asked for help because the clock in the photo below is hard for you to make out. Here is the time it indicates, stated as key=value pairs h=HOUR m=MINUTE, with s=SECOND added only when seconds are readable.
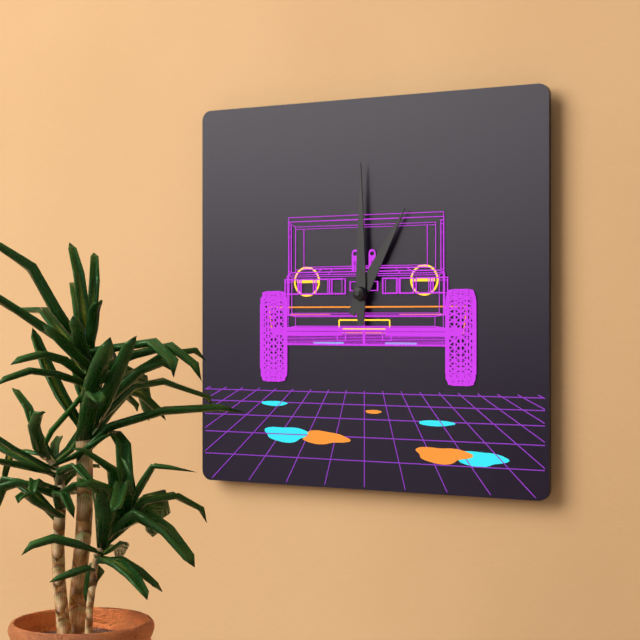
h=1 m=0
